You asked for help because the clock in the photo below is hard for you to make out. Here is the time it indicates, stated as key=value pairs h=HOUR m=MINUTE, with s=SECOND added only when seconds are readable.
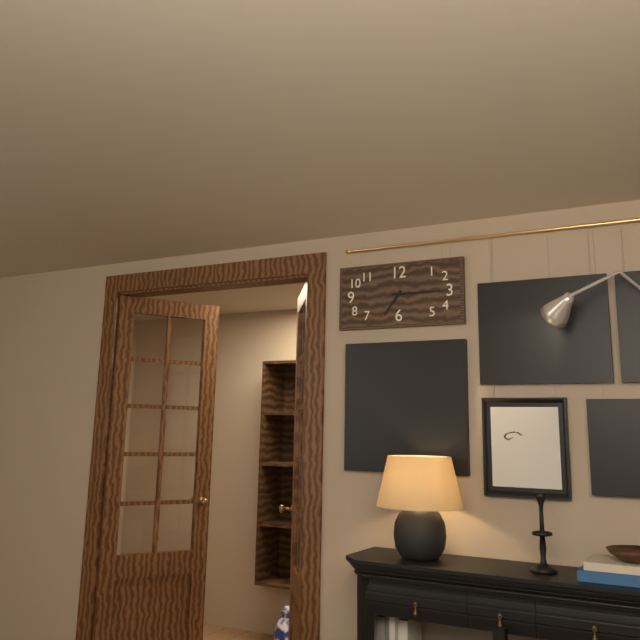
h=7 m=15
